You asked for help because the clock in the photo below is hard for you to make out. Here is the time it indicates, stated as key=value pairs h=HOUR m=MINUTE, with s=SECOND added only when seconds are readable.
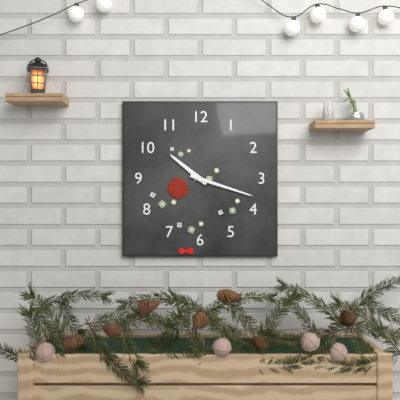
h=10 m=18
